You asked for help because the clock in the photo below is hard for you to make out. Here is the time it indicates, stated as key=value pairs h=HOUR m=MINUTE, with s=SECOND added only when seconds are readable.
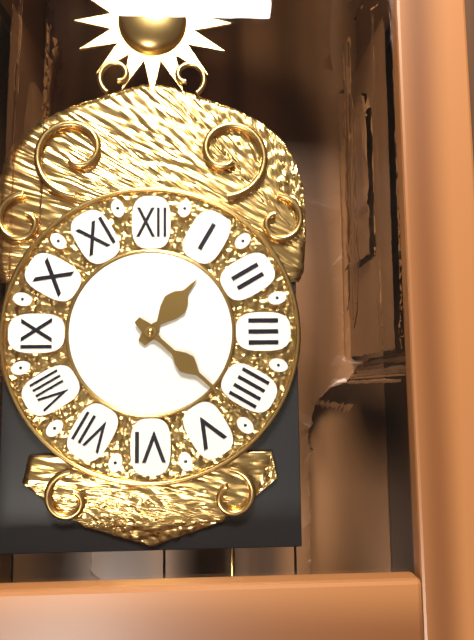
h=1 m=22
